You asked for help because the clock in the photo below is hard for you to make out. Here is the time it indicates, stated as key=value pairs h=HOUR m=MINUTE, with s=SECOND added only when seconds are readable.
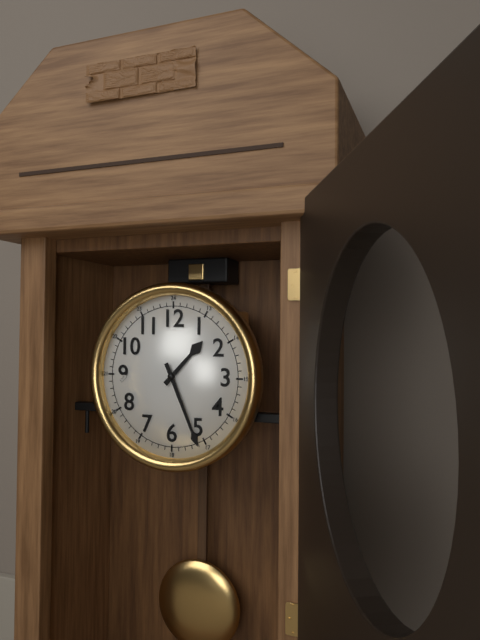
h=1 m=26
